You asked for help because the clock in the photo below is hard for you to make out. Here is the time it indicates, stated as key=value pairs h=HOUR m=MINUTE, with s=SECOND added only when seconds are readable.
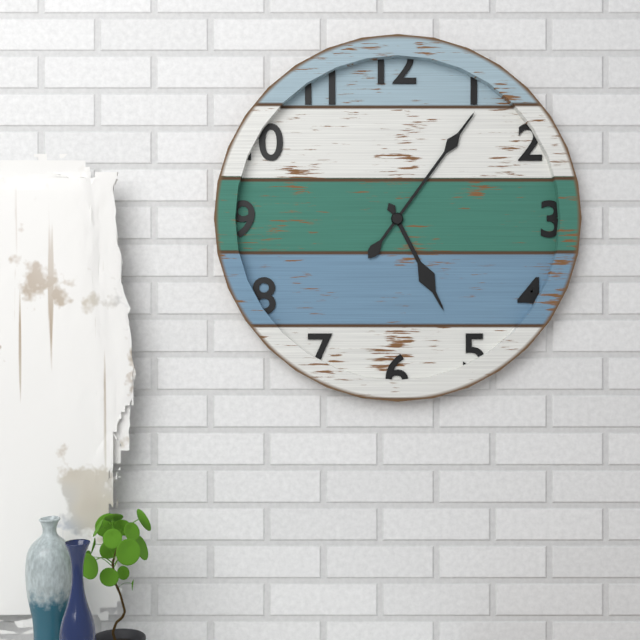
h=5 m=6
